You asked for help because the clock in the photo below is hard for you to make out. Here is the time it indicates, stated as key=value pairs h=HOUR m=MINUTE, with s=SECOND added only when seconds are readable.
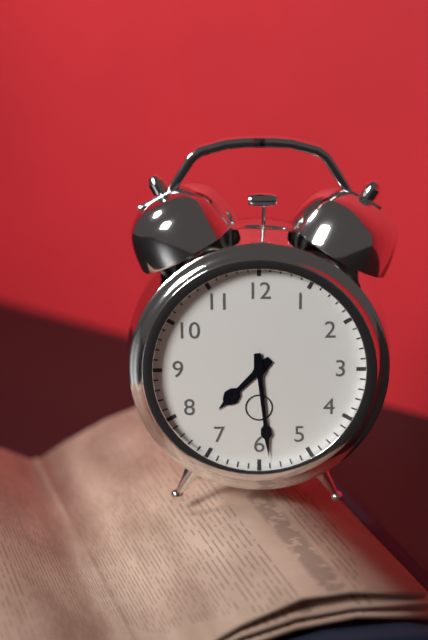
h=7 m=29
